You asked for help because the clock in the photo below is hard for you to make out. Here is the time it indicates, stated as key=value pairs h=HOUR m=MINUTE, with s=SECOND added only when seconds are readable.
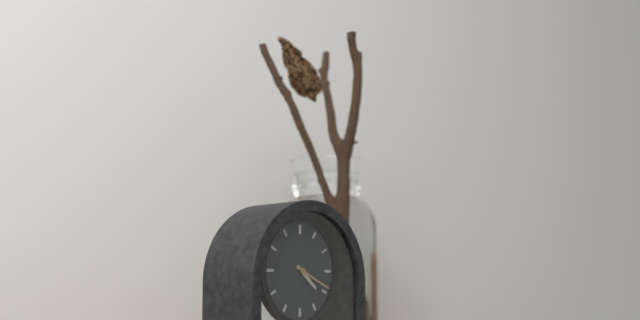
h=4 m=19
